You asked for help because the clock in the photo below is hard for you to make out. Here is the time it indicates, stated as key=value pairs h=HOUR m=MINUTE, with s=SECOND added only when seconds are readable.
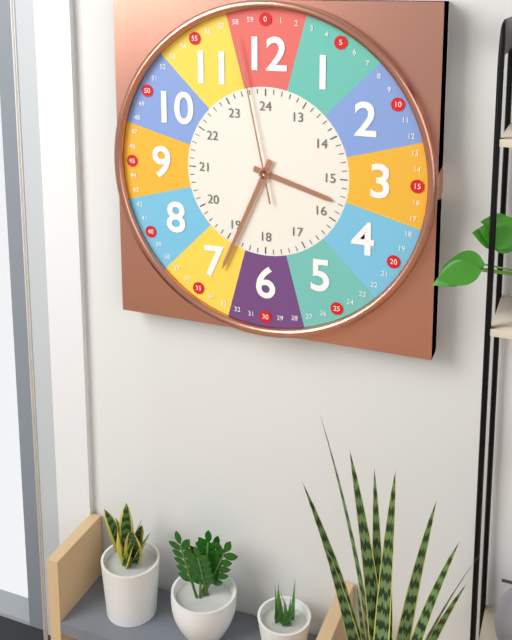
h=3 m=34 s=58
